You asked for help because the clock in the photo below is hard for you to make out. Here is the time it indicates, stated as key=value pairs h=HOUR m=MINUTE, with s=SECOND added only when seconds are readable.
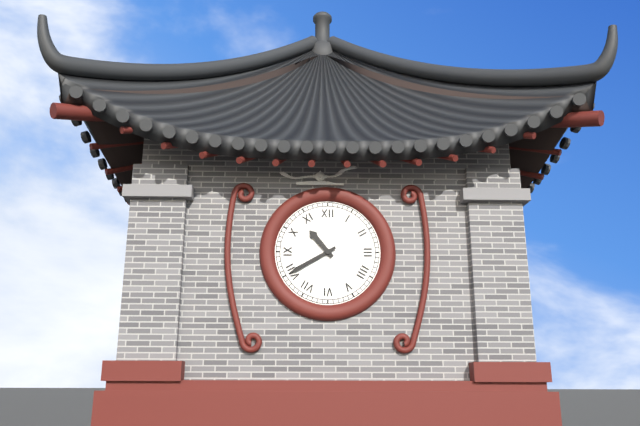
h=10 m=40
